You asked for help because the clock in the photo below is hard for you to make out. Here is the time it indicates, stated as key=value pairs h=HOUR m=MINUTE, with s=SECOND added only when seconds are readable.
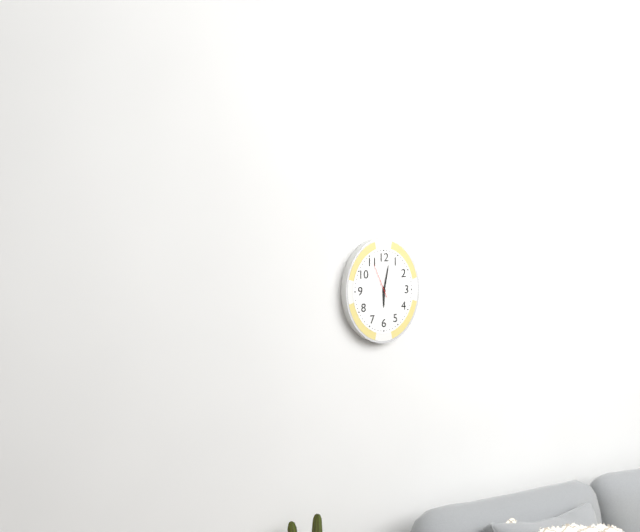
h=6 m=2
